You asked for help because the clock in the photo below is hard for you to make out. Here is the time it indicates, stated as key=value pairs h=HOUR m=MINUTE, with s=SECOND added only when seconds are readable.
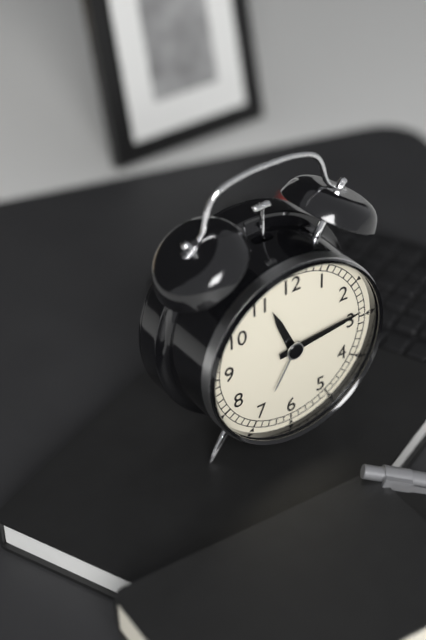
h=11 m=14
